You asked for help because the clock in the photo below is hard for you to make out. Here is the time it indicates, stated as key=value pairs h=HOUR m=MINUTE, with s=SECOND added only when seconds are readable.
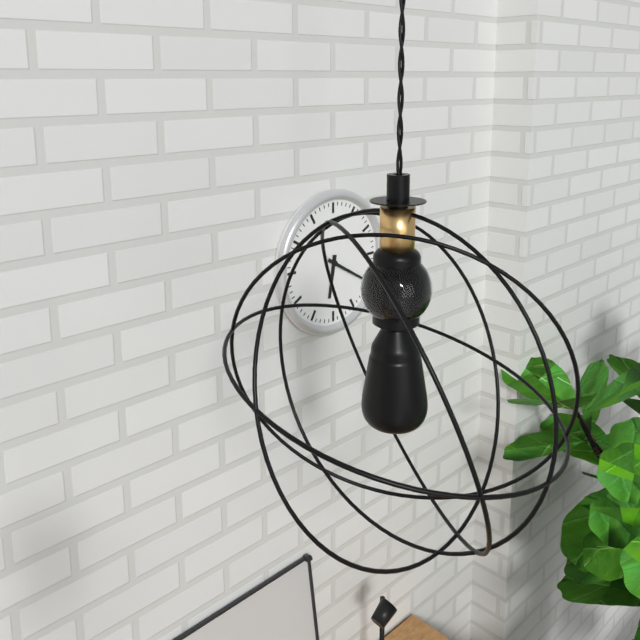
h=6 m=20
